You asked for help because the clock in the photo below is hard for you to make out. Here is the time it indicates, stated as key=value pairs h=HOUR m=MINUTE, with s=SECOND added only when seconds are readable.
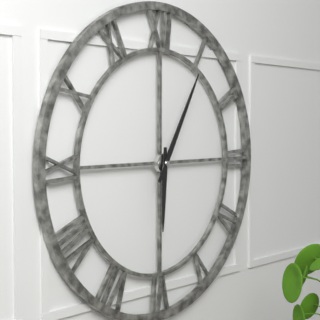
h=6 m=5
